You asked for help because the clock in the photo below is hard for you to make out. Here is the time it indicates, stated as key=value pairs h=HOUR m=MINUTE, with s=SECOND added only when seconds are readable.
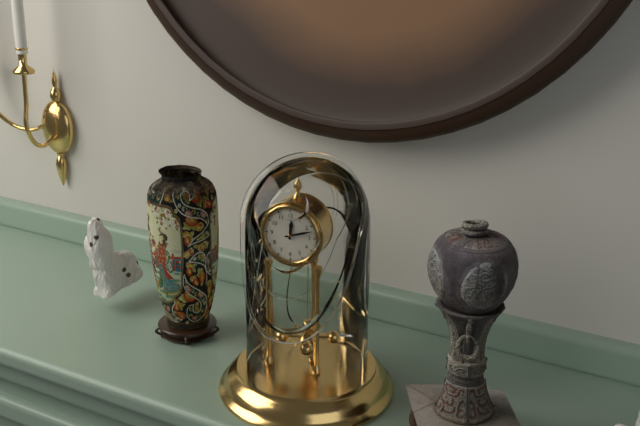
h=12 m=12
